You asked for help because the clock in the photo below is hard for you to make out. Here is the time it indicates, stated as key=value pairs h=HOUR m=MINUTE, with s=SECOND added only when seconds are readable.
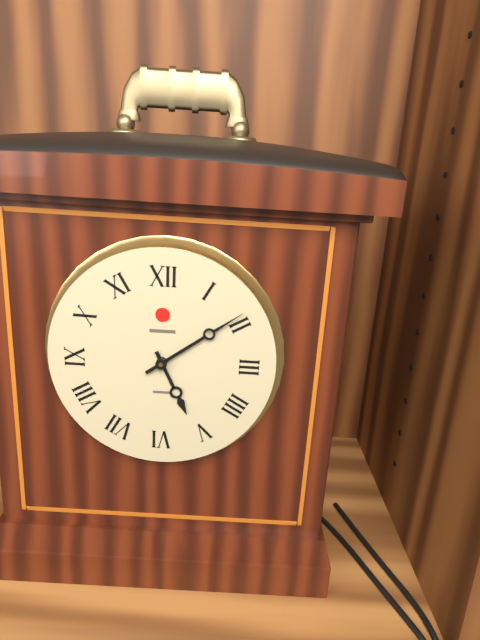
h=5 m=9
